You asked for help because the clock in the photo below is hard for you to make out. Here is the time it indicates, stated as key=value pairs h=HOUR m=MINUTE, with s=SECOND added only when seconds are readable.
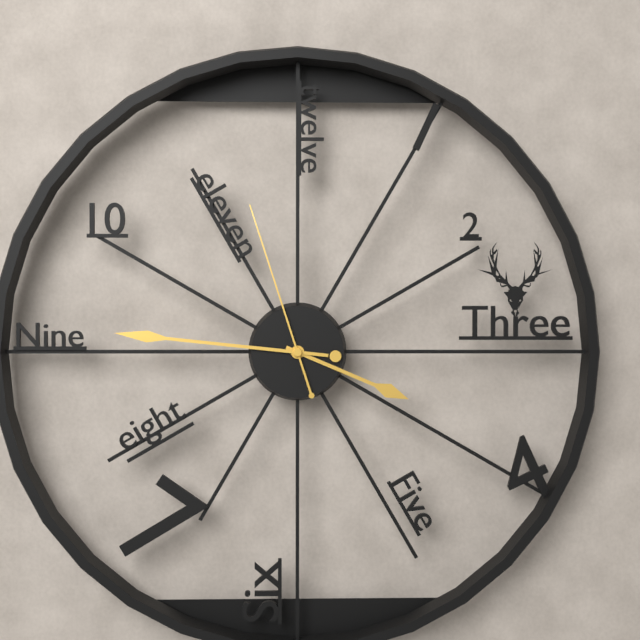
h=3 m=46 s=57
